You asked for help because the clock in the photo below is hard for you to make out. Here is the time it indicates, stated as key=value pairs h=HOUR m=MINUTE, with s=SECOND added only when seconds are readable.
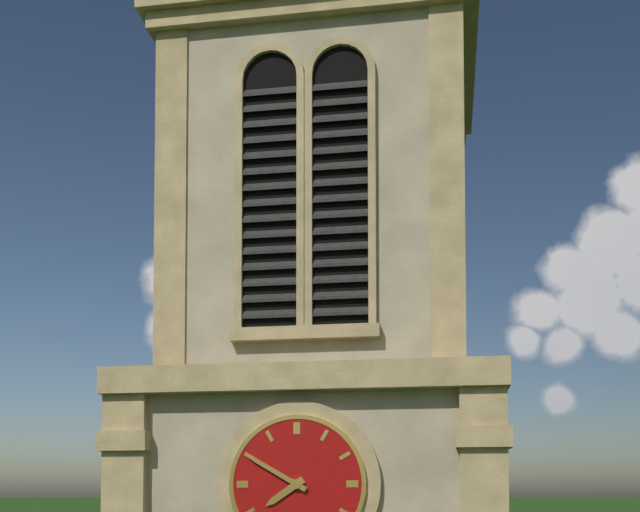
h=7 m=50
